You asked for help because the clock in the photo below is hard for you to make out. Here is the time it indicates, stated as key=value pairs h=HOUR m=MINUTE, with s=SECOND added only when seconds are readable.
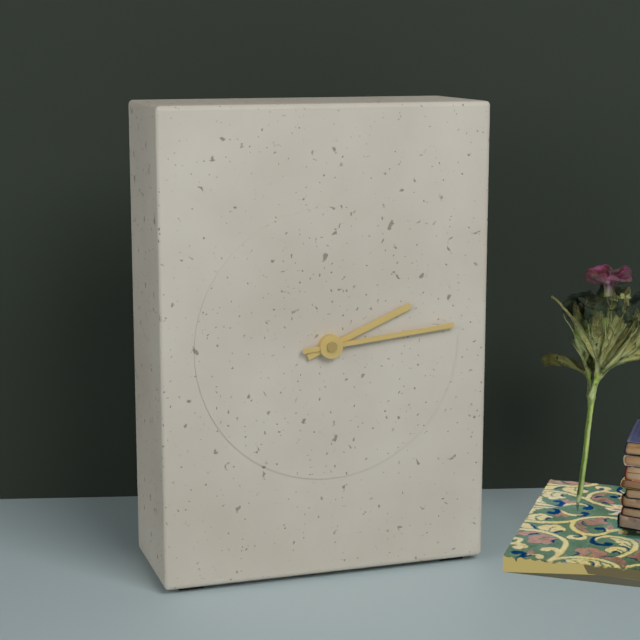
h=2 m=14
